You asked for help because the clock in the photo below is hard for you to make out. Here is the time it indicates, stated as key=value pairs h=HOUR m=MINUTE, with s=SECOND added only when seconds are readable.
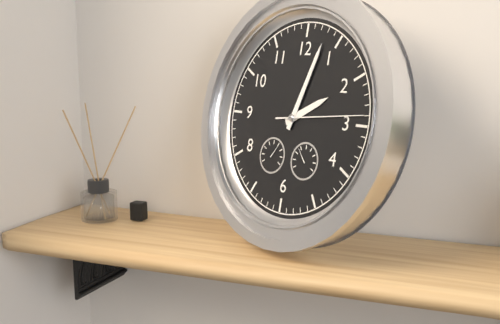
h=2 m=3 s=14
